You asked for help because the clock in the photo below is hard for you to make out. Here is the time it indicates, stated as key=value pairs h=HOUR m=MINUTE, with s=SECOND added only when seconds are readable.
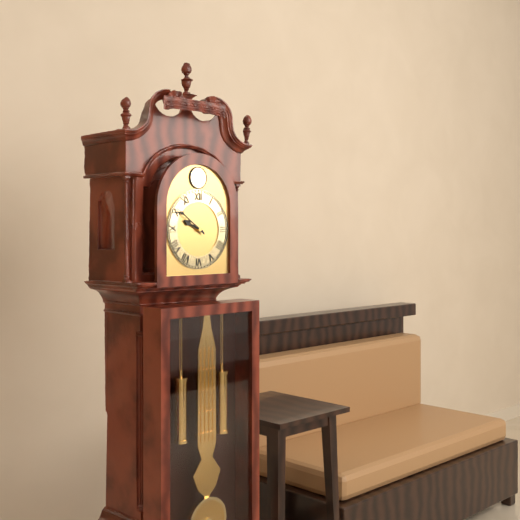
h=9 m=51
